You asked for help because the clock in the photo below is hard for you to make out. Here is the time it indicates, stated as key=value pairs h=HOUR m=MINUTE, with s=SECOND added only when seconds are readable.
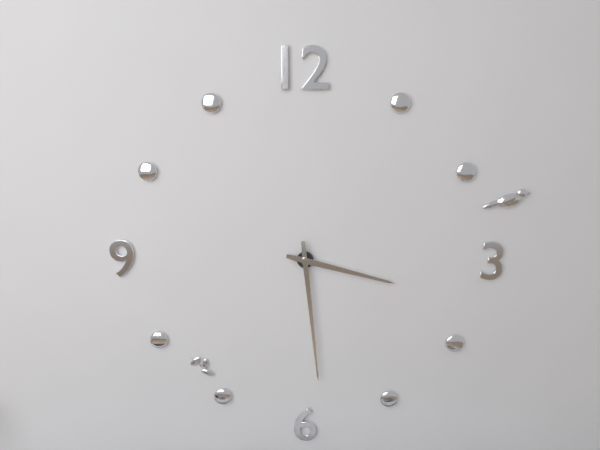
h=3 m=29
